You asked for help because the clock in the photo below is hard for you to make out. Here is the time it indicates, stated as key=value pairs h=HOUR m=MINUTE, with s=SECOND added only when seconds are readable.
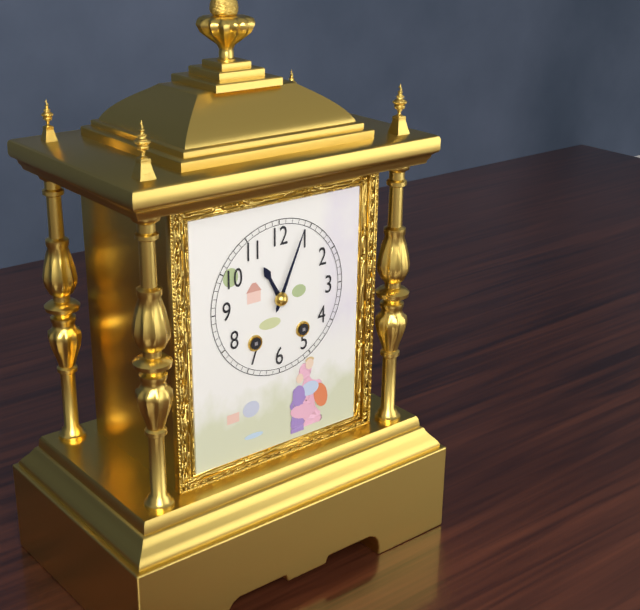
h=11 m=4
